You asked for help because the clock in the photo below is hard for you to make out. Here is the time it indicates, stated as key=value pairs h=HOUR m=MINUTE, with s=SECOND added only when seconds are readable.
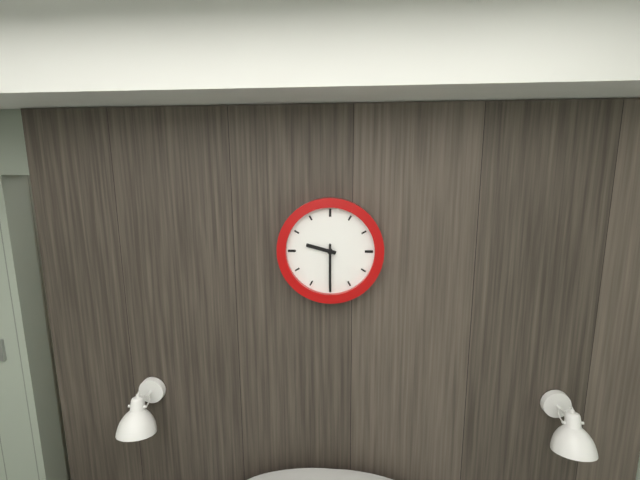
h=9 m=30
